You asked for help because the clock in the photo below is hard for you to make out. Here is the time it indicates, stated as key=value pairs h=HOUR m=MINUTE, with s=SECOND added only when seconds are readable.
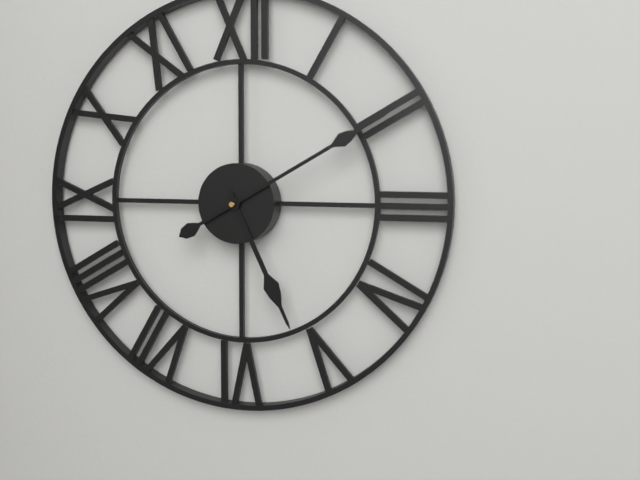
h=5 m=10
